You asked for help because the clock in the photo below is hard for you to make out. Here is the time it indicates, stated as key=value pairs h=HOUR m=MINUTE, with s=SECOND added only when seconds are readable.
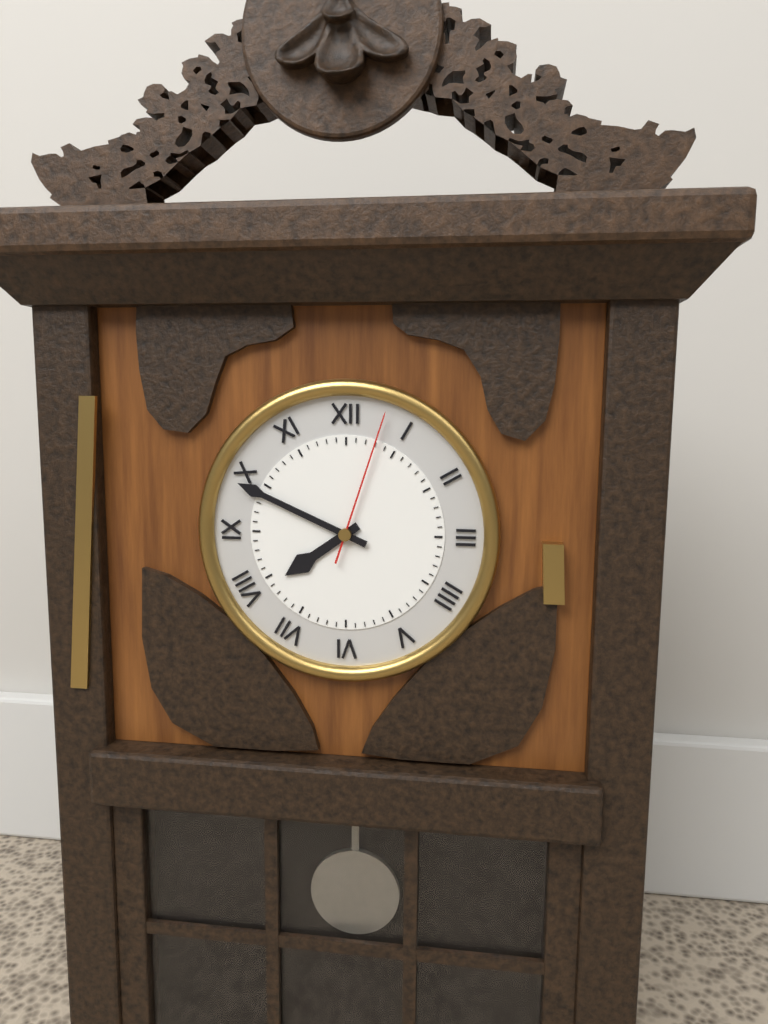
h=7 m=49 s=3
